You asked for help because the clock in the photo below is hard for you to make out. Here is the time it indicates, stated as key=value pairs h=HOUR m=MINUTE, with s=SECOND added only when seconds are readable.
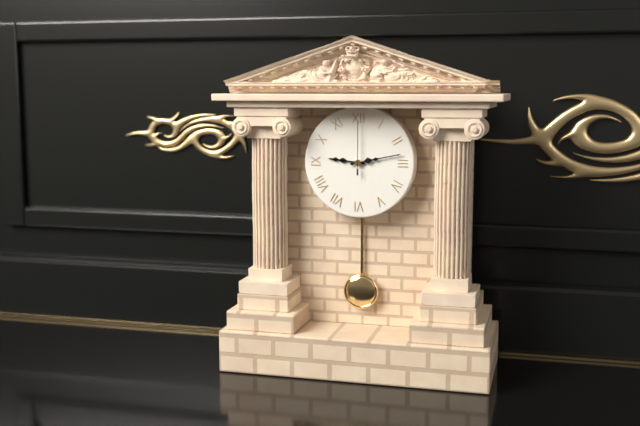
h=9 m=13
